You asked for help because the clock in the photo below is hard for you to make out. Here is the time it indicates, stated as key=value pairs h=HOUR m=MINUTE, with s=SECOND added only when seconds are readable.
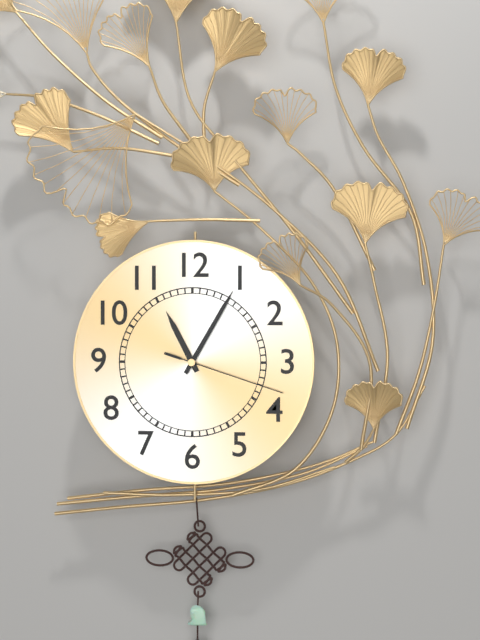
h=11 m=5 s=18
